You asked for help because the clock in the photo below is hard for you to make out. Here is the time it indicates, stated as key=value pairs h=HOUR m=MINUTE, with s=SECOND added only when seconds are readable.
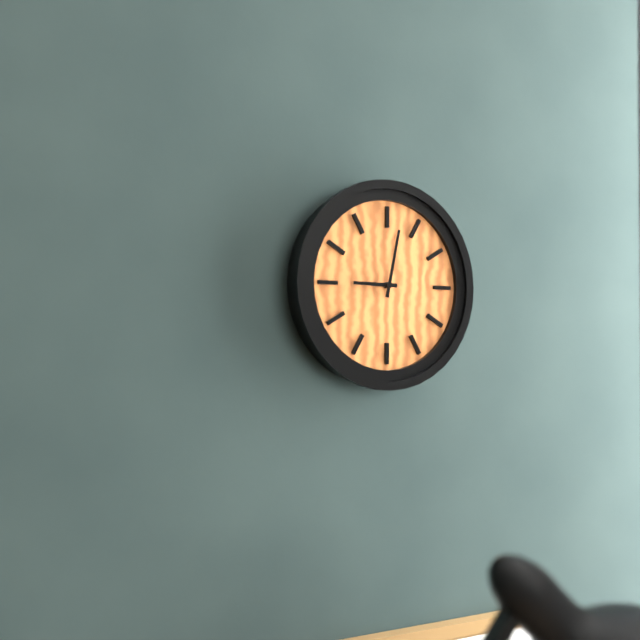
h=9 m=2
